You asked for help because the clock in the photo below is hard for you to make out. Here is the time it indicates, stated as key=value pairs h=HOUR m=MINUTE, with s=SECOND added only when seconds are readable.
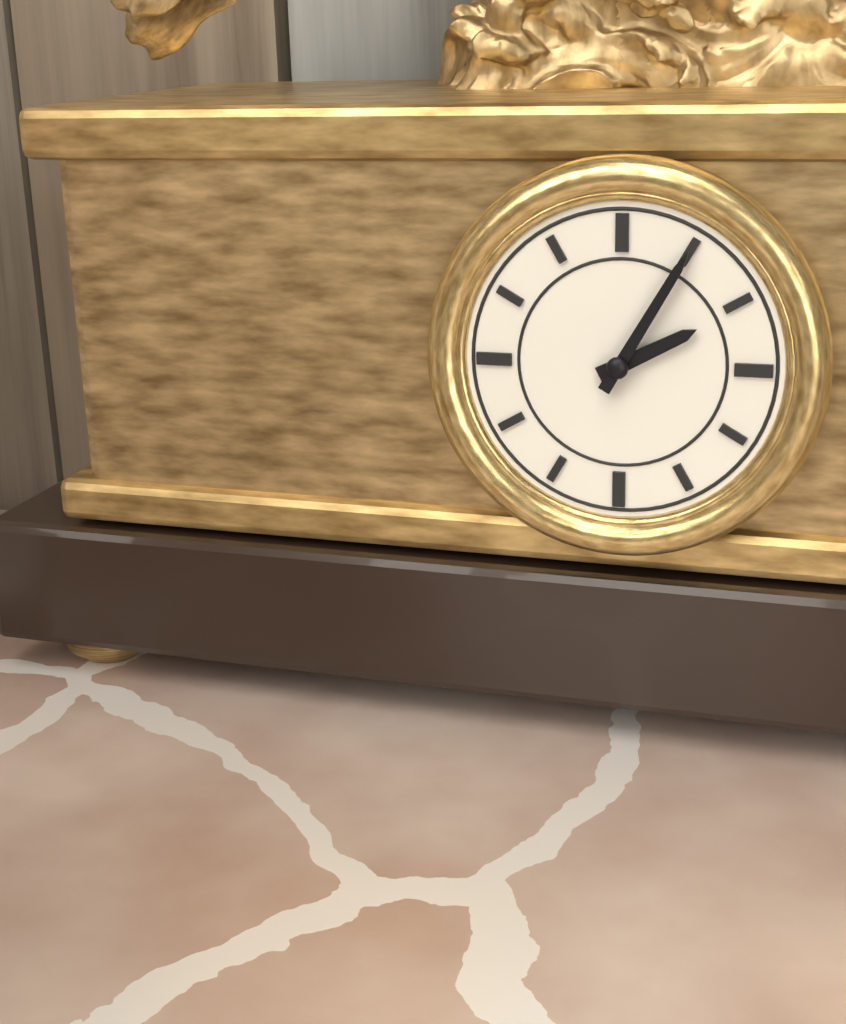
h=2 m=5
